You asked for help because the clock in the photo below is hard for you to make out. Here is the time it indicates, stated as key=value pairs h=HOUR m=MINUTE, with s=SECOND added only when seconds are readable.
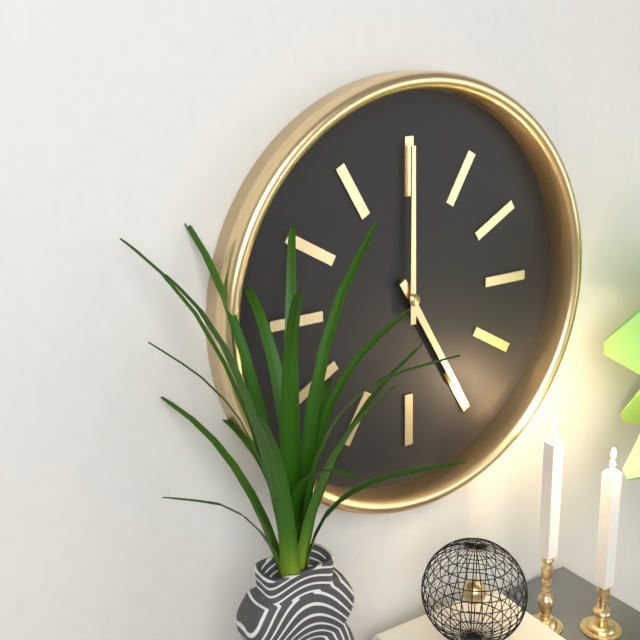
h=5 m=0
